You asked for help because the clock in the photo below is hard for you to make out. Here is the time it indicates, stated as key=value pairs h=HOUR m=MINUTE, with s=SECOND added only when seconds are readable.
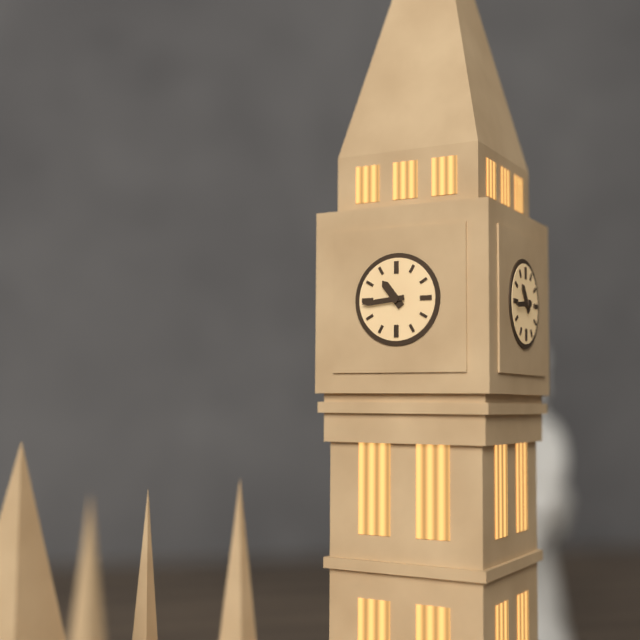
h=10 m=44
